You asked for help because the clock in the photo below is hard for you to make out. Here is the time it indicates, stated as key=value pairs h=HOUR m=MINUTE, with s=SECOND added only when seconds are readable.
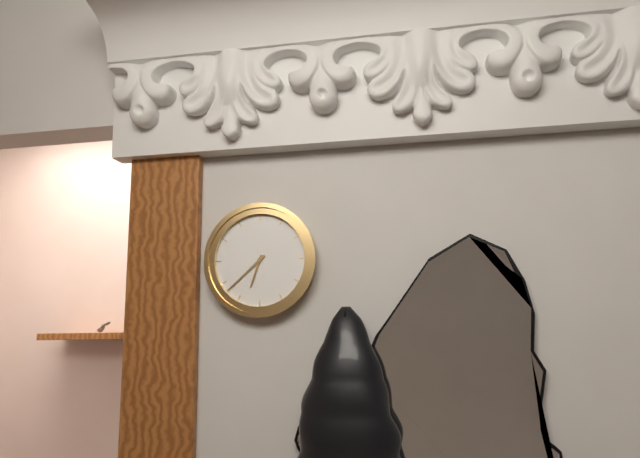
h=6 m=38
